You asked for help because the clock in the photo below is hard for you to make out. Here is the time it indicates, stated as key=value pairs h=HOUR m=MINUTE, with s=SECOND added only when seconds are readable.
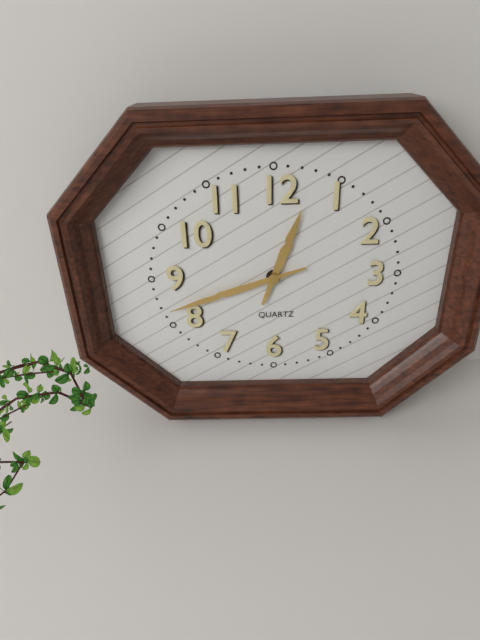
h=12 m=42
